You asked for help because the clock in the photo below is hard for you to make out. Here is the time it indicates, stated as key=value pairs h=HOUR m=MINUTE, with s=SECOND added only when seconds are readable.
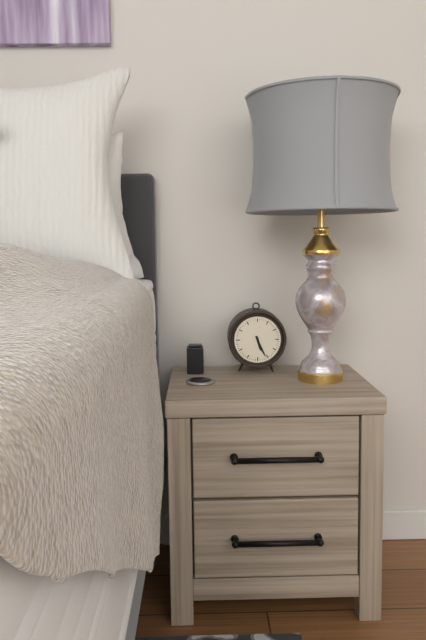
h=5 m=26
